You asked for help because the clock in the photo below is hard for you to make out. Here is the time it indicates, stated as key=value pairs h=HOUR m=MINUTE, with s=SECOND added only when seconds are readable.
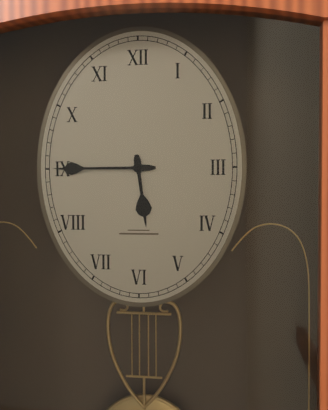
h=5 m=45
